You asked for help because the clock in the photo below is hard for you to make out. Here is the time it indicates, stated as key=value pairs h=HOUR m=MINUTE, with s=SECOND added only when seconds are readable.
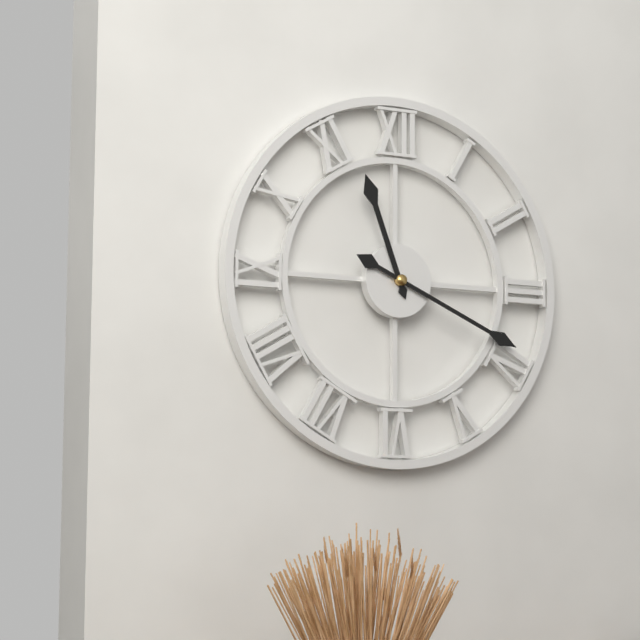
h=11 m=19
